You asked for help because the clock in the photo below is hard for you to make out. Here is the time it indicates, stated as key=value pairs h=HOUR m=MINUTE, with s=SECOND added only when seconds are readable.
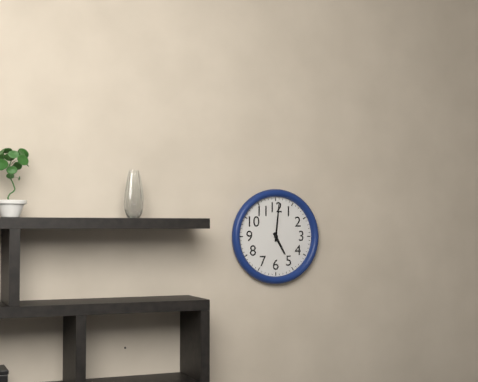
h=5 m=1
